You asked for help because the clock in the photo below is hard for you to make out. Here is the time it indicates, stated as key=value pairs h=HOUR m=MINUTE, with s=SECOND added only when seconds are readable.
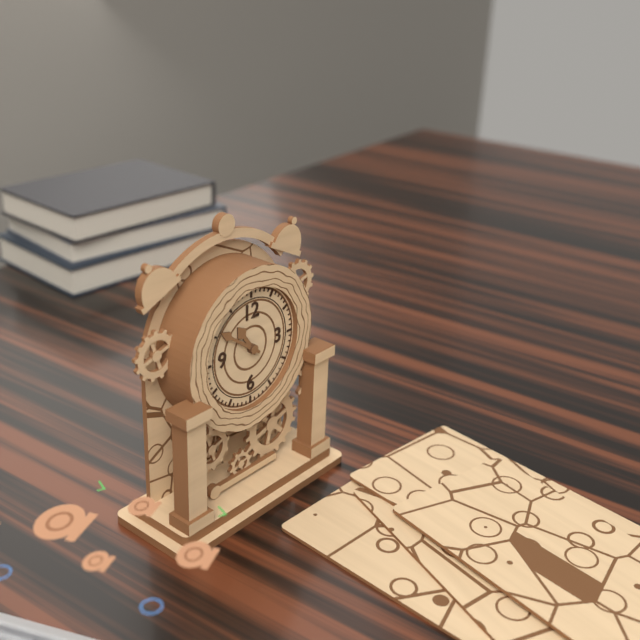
h=10 m=51
